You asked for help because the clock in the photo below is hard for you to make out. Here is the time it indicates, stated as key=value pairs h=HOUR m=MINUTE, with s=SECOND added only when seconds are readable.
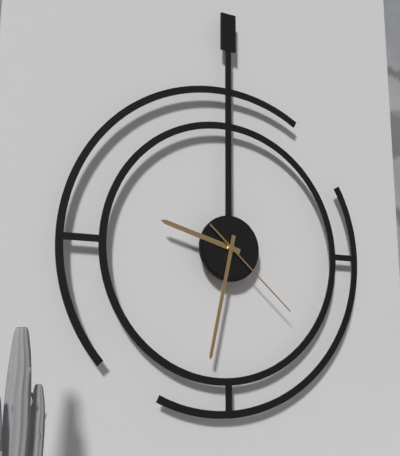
h=9 m=32 s=22
